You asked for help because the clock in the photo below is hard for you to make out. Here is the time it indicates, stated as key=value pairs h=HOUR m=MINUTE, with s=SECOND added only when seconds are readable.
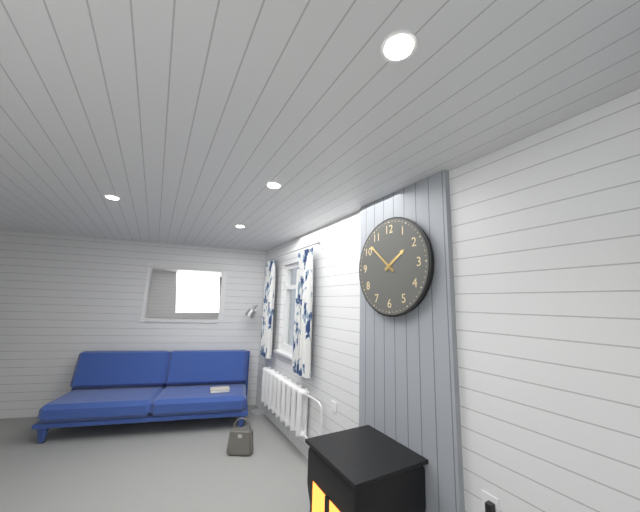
h=1 m=52
